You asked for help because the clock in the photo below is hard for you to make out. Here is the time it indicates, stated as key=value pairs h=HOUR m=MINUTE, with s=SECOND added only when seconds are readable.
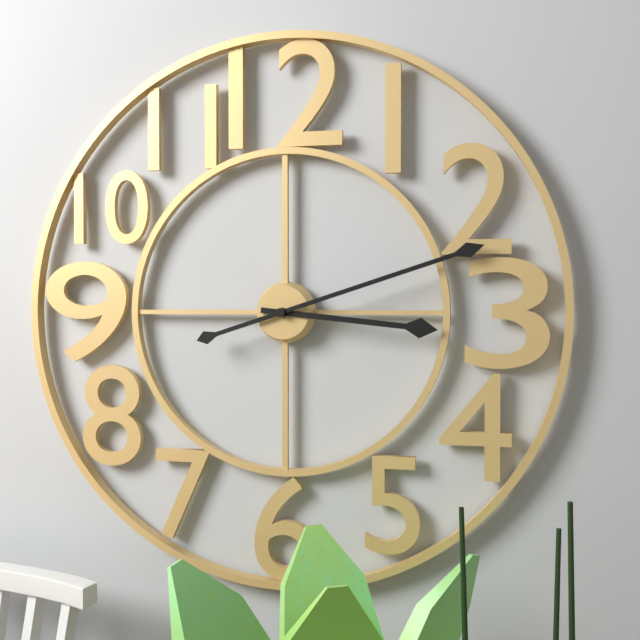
h=3 m=12
